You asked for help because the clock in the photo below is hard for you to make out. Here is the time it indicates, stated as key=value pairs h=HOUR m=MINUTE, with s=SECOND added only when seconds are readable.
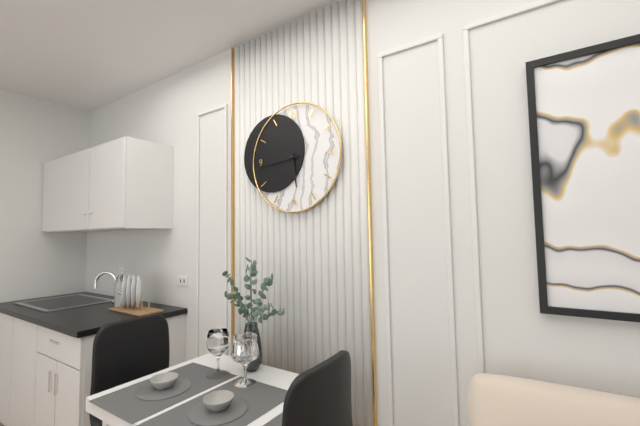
h=5 m=44
